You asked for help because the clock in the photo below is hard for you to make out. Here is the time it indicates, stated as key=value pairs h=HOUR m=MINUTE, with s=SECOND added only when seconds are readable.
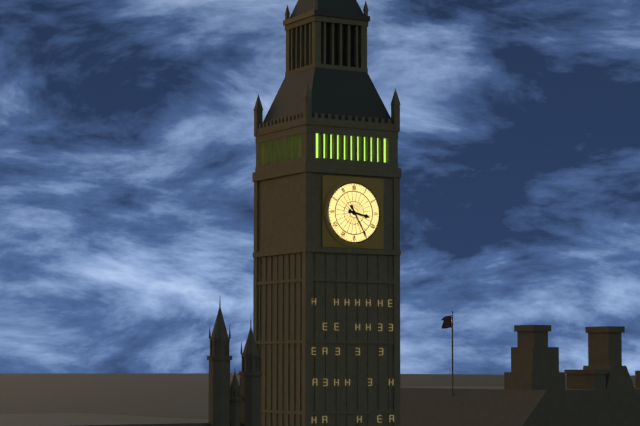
h=3 m=25
